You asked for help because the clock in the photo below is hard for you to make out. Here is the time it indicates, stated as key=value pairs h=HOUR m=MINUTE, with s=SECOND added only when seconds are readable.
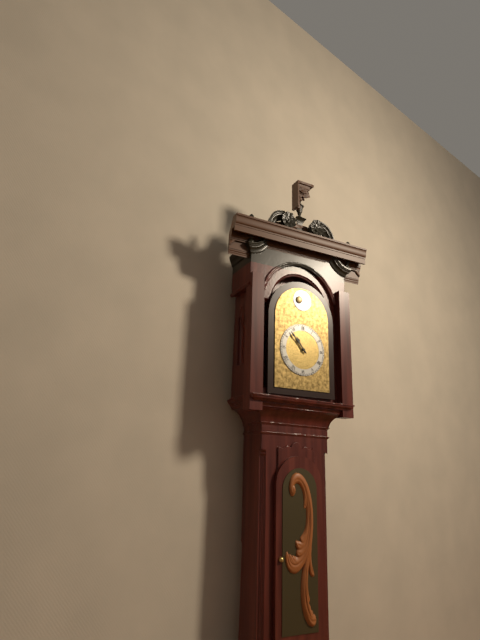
h=10 m=53
